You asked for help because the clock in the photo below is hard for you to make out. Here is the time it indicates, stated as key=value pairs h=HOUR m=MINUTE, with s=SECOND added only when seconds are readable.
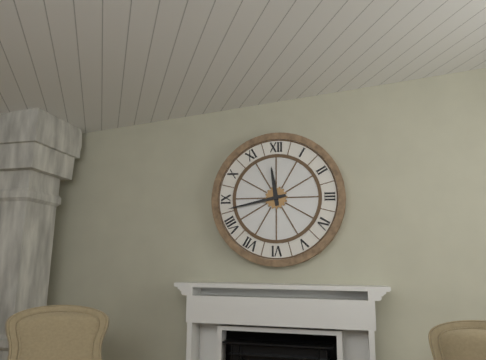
h=11 m=43
